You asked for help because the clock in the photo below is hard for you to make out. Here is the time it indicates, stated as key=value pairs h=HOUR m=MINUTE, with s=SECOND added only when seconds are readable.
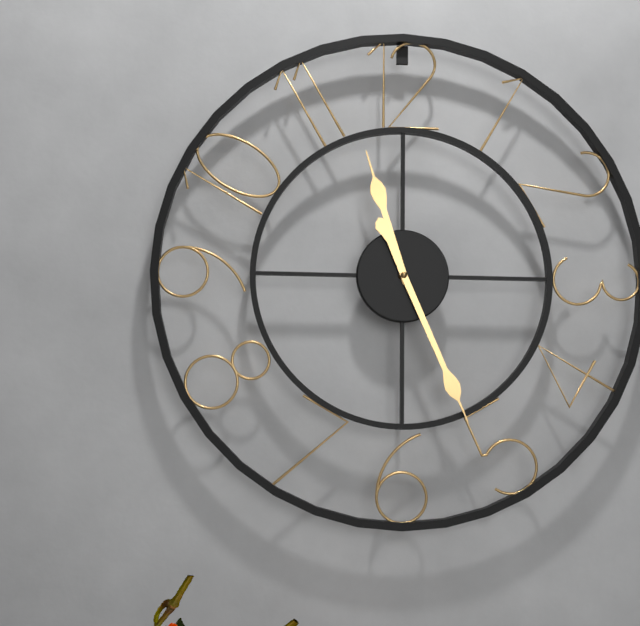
h=11 m=26
